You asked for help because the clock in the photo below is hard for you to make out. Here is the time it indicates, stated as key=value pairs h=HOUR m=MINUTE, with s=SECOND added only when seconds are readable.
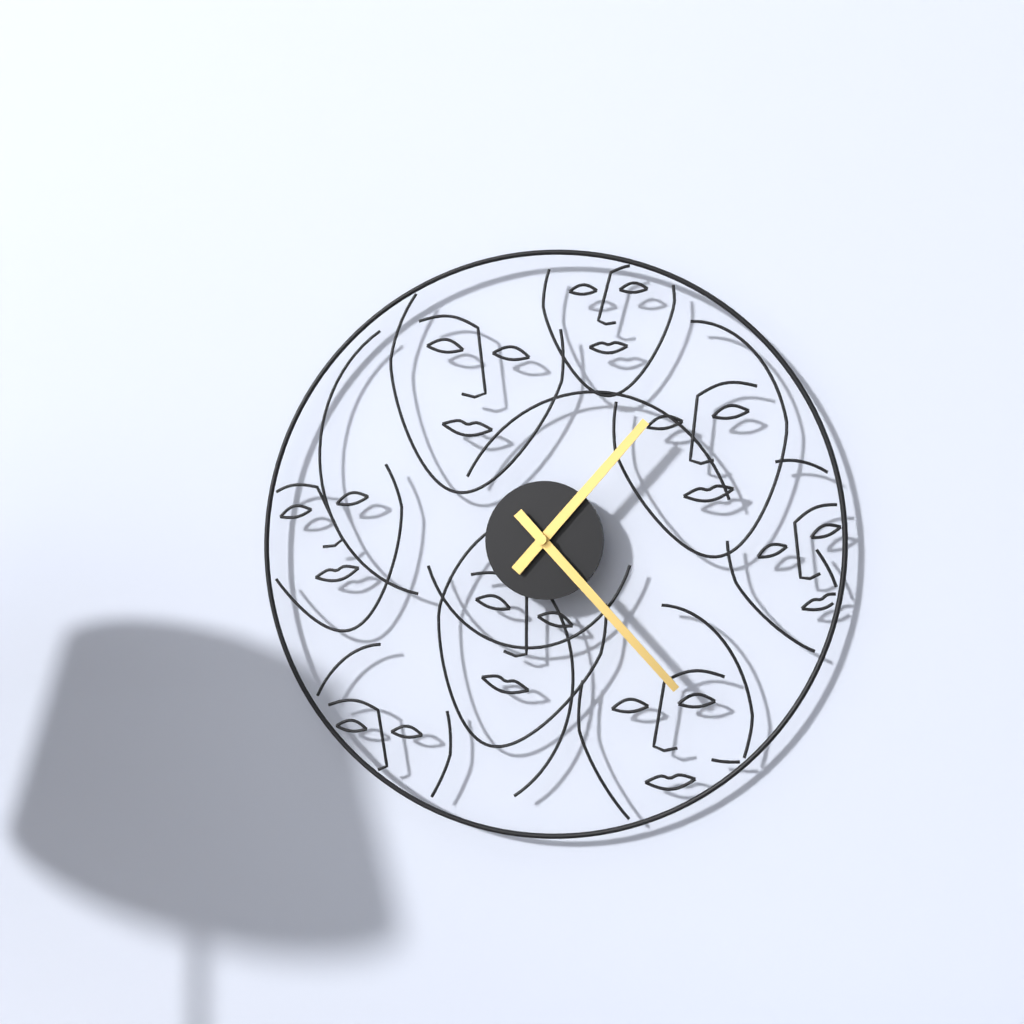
h=1 m=23
